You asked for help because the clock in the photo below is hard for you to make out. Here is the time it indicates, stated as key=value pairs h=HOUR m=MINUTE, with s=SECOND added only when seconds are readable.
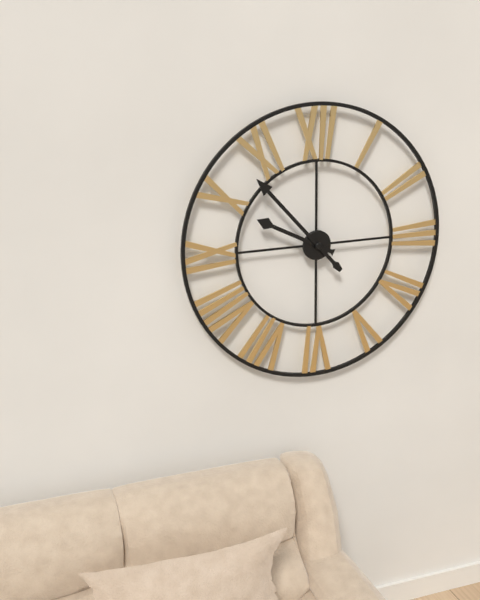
h=9 m=53
